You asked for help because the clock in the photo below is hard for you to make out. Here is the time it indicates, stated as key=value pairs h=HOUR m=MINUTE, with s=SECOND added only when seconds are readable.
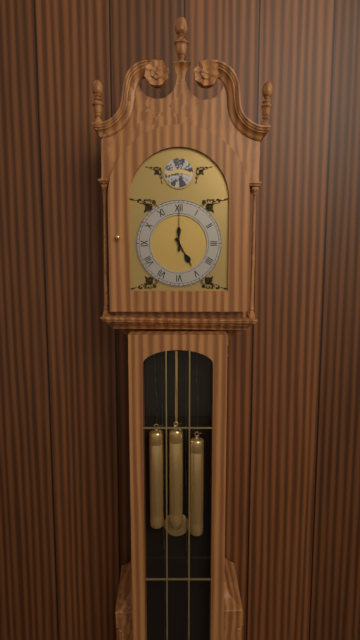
h=5 m=0
